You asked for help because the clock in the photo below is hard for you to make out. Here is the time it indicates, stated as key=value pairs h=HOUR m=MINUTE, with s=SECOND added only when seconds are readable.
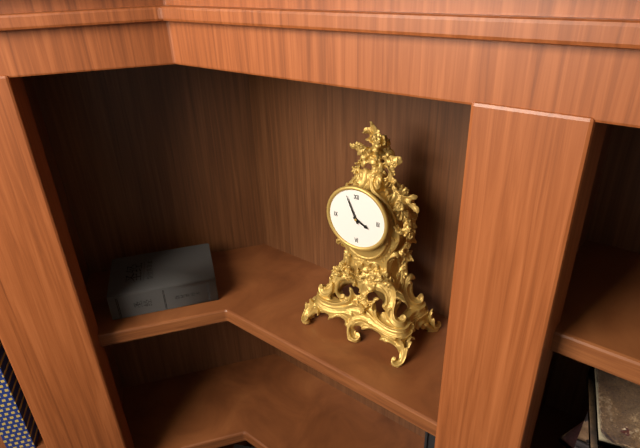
h=3 m=56
